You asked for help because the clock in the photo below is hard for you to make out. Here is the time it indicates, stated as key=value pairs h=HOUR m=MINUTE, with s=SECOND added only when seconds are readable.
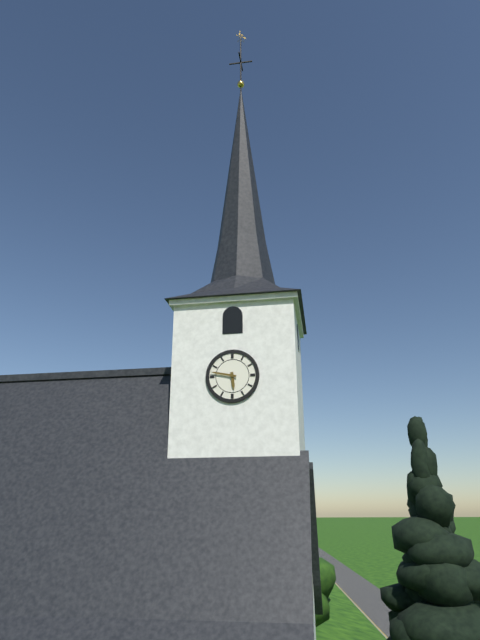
h=5 m=47
